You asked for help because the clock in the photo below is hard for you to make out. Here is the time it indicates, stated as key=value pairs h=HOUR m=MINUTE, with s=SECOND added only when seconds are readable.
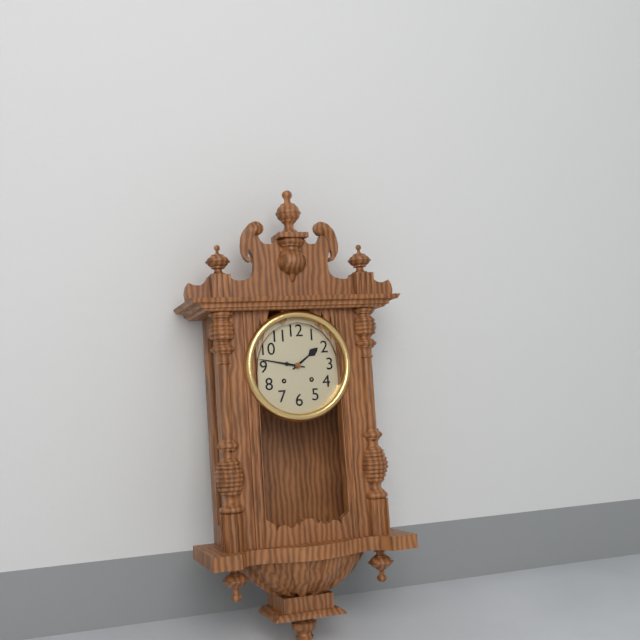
h=1 m=47
